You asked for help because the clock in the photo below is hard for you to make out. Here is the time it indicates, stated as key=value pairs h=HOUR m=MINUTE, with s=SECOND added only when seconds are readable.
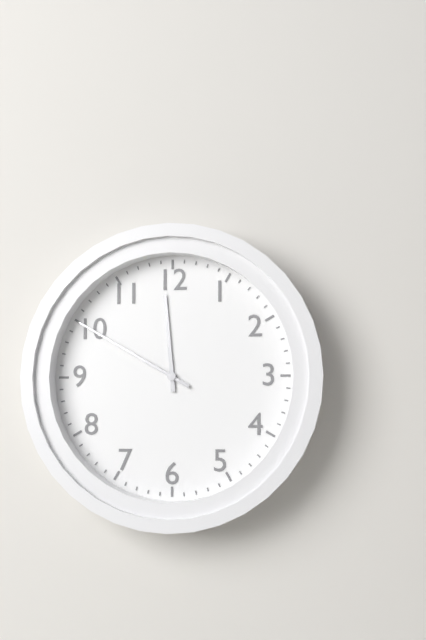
h=11 m=50
